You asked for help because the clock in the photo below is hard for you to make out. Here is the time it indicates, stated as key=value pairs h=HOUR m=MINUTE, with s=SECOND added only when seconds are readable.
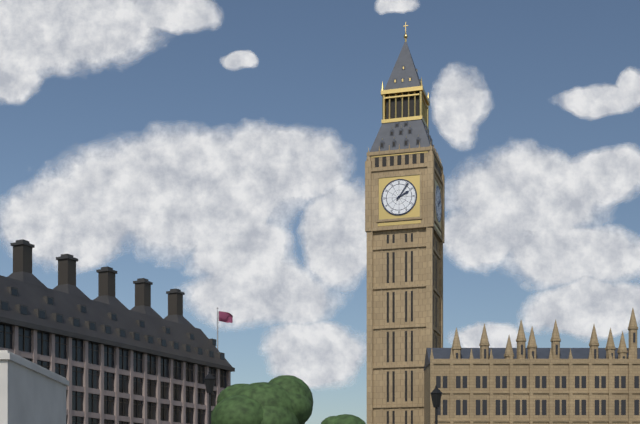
h=2 m=6
